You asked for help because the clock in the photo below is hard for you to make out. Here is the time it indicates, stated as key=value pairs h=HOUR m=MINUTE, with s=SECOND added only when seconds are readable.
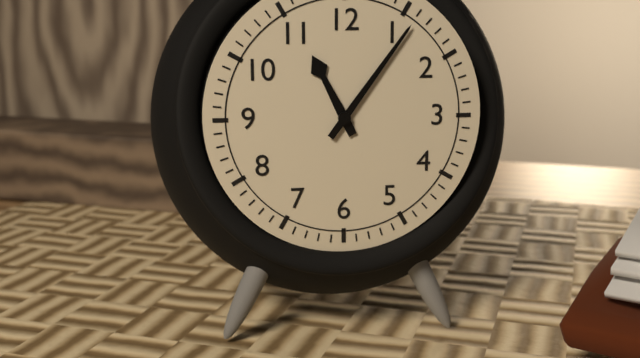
h=11 m=6
